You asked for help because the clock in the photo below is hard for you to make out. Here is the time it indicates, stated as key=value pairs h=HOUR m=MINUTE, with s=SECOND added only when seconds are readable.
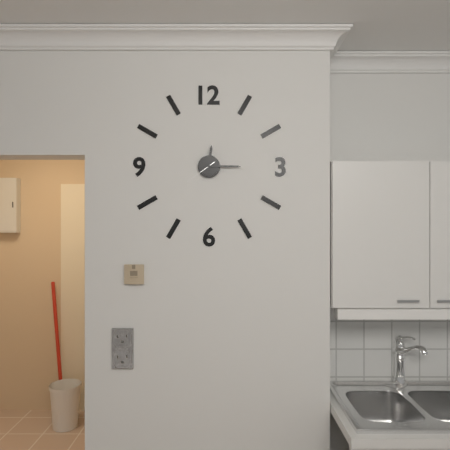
h=12 m=15
